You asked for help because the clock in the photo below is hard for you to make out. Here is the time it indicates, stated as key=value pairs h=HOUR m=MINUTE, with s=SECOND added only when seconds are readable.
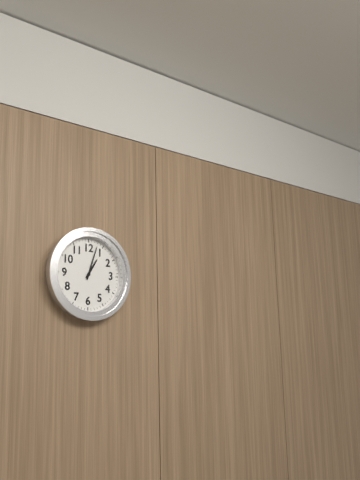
h=1 m=3
